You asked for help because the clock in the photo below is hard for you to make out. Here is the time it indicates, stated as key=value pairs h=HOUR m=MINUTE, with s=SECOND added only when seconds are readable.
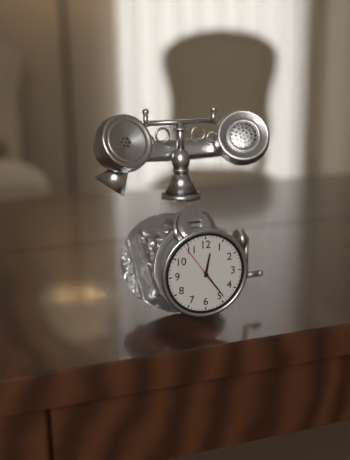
h=12 m=24
